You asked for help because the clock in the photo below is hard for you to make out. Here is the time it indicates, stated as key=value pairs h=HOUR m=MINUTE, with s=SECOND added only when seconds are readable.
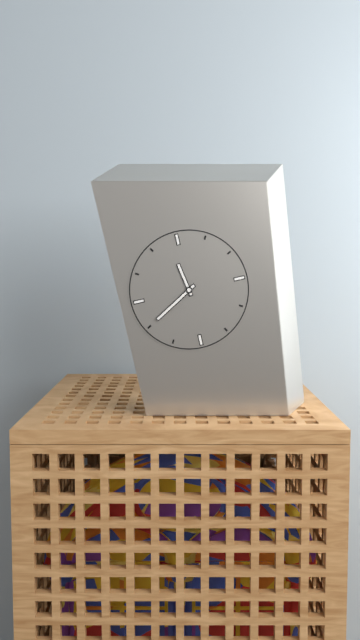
h=11 m=40
